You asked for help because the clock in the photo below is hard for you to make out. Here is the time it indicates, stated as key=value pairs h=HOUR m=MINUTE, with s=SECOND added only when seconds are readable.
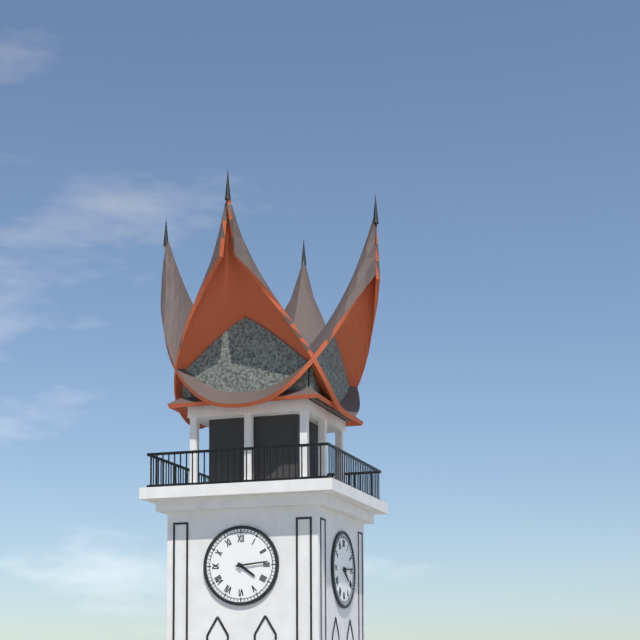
h=4 m=14
